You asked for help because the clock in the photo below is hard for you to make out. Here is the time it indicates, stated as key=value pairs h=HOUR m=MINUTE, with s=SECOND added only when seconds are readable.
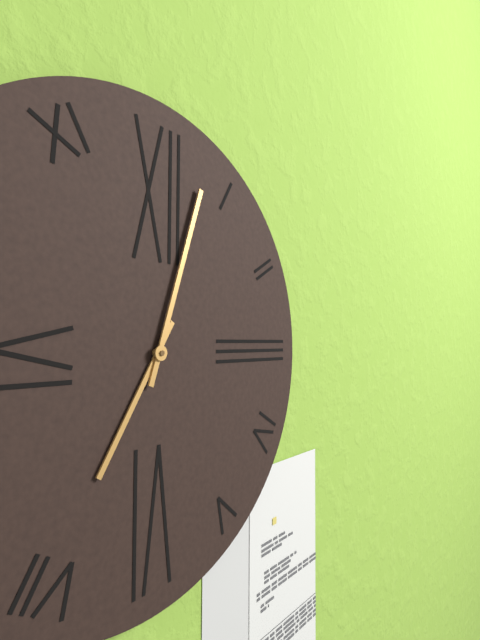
h=7 m=3
